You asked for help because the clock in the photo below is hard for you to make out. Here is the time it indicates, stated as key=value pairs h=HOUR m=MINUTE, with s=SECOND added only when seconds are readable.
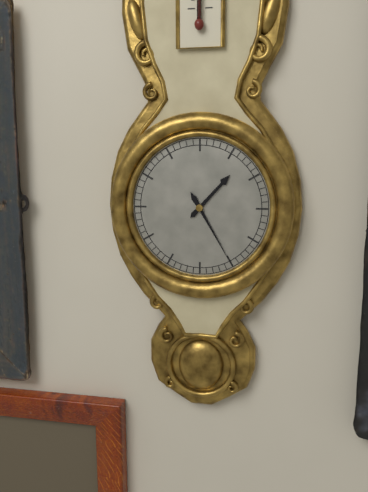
h=1 m=25
